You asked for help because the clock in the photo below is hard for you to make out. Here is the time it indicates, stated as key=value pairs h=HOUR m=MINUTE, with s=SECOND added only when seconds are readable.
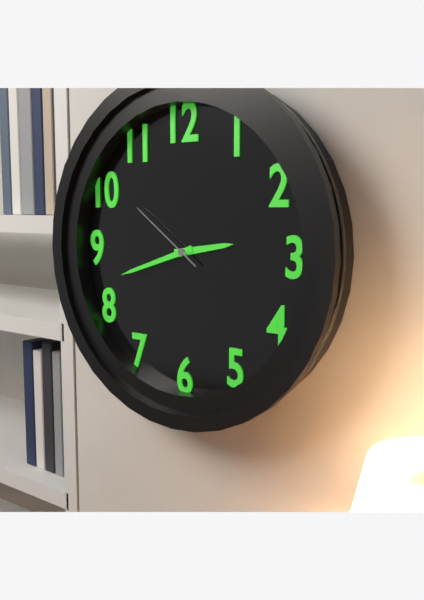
h=2 m=42 s=51
